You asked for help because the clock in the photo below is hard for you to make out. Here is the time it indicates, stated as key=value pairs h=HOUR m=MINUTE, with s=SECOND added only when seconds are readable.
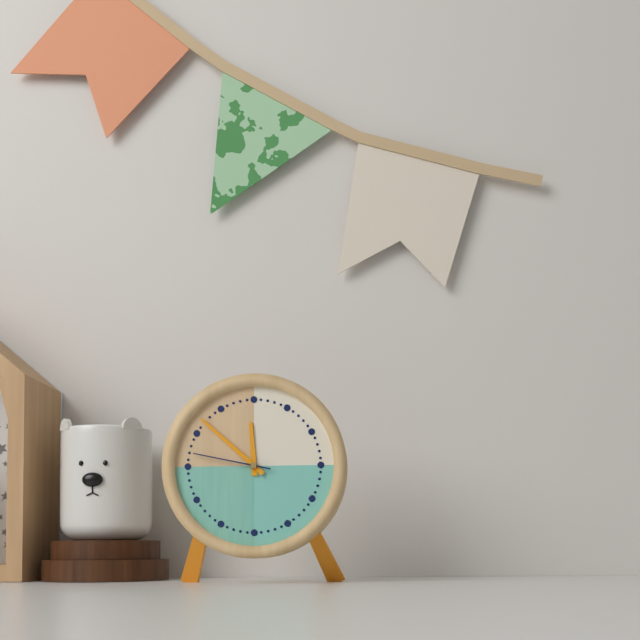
h=11 m=52 s=47
